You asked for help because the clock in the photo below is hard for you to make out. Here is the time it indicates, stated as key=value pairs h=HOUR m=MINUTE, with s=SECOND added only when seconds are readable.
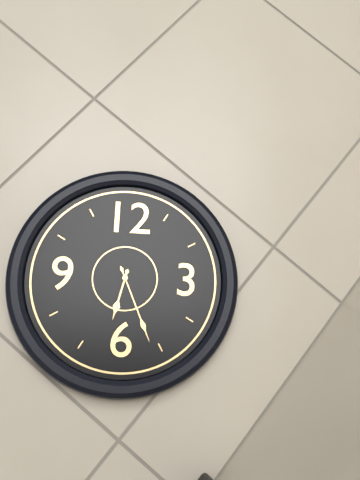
h=6 m=26
